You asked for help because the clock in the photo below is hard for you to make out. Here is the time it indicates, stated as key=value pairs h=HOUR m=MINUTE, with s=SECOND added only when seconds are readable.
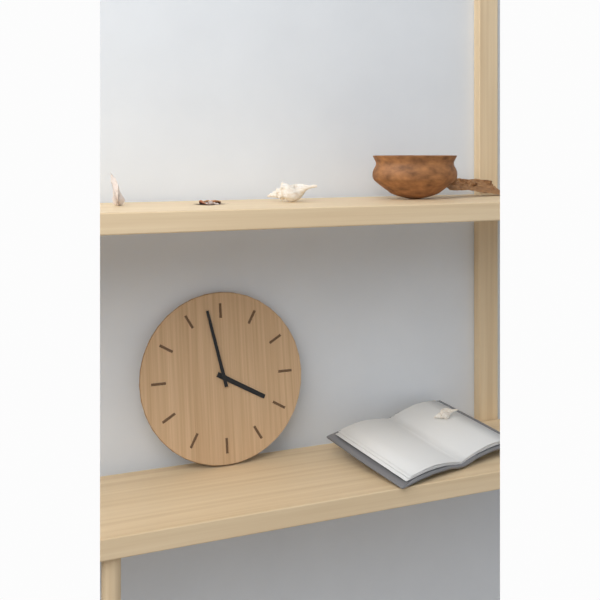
h=3 m=58
